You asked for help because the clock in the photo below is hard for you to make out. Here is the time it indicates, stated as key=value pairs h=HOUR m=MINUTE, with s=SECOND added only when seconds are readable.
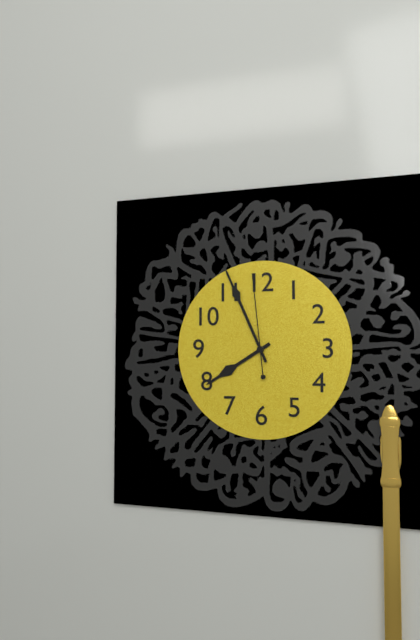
h=7 m=56 s=59
